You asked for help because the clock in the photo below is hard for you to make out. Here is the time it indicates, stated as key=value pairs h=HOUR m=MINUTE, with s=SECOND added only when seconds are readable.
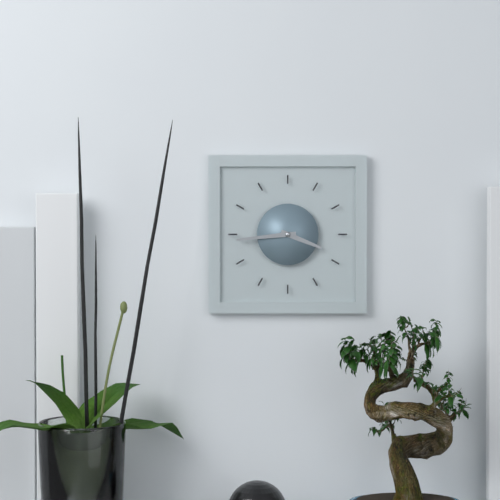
h=3 m=44
